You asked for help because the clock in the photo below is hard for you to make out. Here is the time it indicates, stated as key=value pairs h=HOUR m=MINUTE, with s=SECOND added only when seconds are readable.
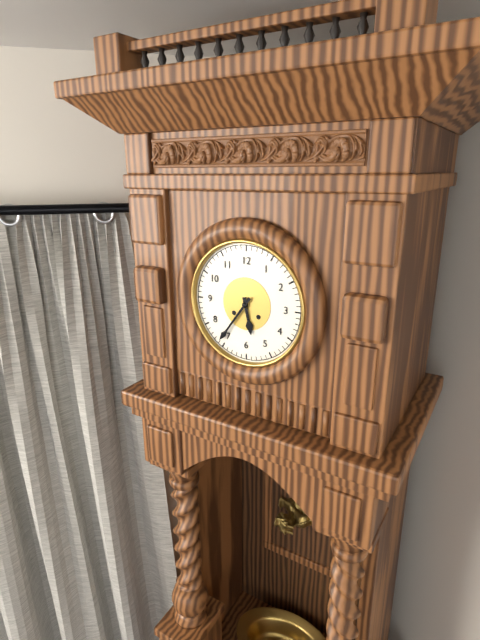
h=5 m=36
